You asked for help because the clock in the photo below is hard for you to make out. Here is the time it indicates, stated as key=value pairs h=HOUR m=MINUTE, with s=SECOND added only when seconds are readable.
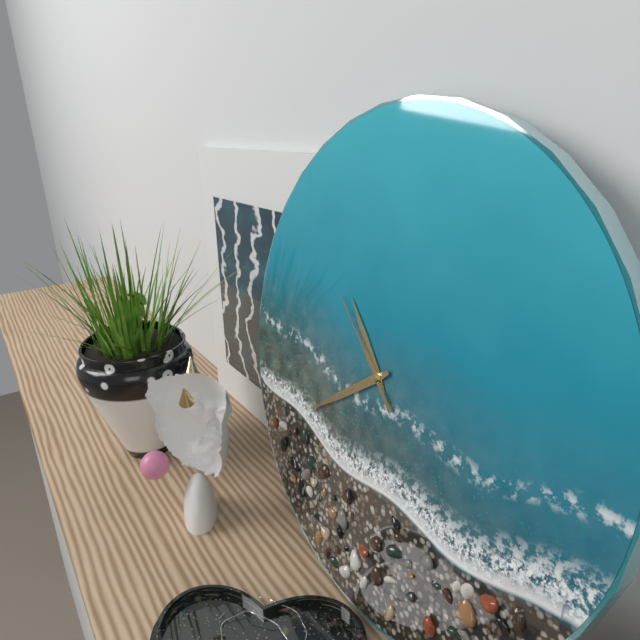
h=10 m=39 s=52
